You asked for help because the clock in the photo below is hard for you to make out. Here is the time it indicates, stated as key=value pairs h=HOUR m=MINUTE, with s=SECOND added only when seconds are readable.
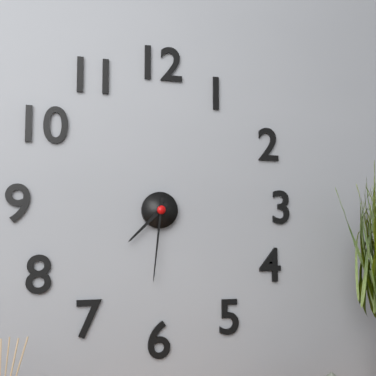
h=7 m=31
